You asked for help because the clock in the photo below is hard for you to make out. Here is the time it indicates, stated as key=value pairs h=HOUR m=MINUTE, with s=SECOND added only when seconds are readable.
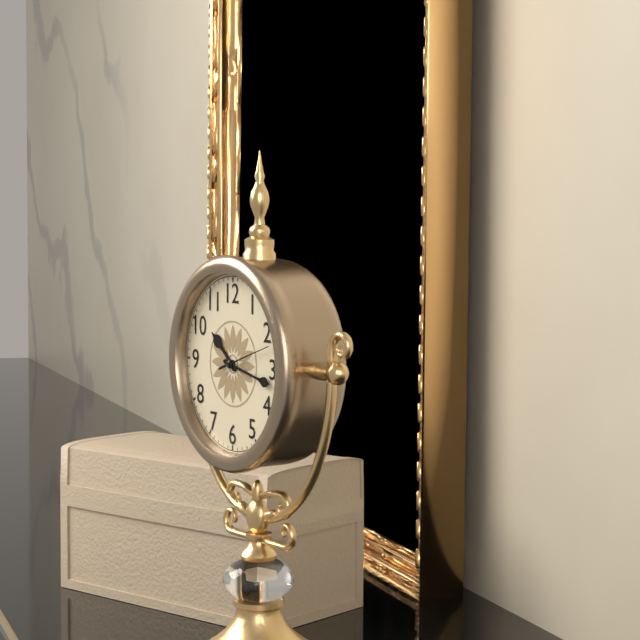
h=10 m=17 s=12
